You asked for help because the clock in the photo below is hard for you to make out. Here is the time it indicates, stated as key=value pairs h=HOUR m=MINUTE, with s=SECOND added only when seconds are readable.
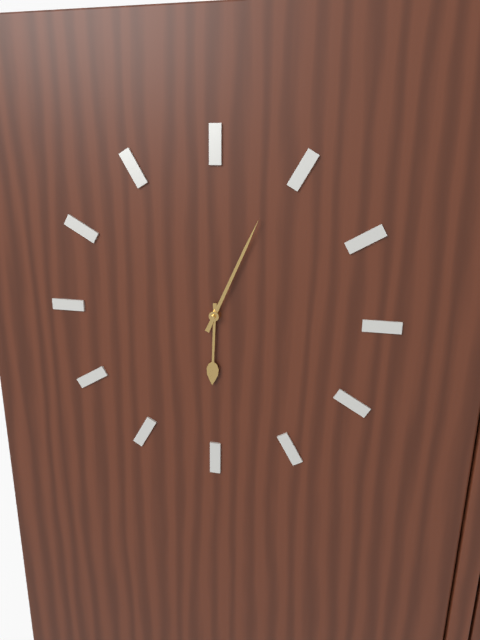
h=6 m=4
